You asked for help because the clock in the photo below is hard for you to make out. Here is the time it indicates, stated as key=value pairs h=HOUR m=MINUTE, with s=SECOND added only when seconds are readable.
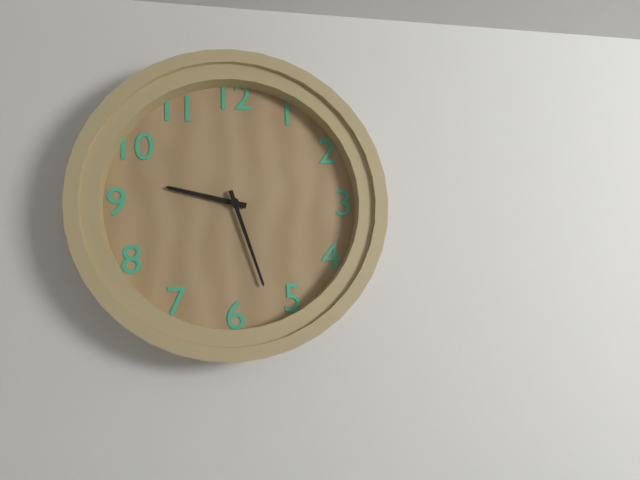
h=9 m=27
